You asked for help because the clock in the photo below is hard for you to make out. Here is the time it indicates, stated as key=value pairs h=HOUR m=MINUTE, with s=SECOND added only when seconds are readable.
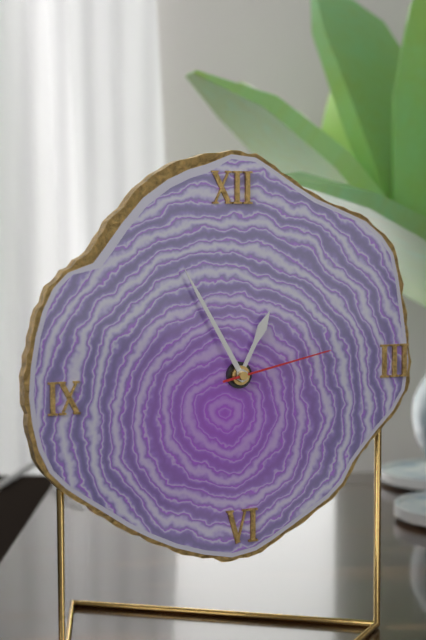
h=12 m=55 s=13
